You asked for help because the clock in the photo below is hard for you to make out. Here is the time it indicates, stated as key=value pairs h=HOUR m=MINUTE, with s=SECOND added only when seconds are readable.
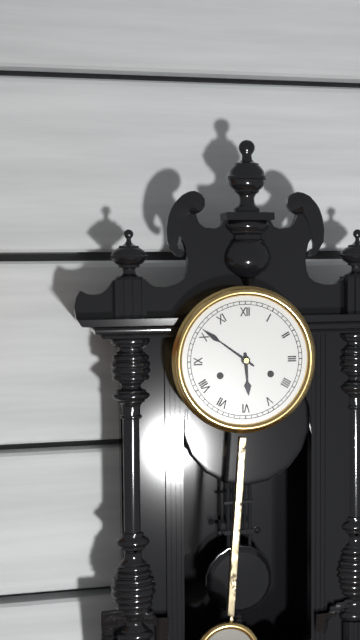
h=5 m=51
